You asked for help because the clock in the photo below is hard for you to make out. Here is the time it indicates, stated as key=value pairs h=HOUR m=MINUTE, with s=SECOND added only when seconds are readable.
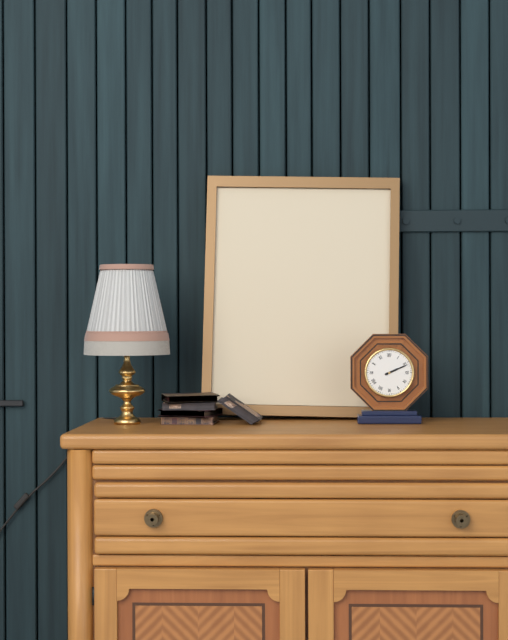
h=2 m=11
